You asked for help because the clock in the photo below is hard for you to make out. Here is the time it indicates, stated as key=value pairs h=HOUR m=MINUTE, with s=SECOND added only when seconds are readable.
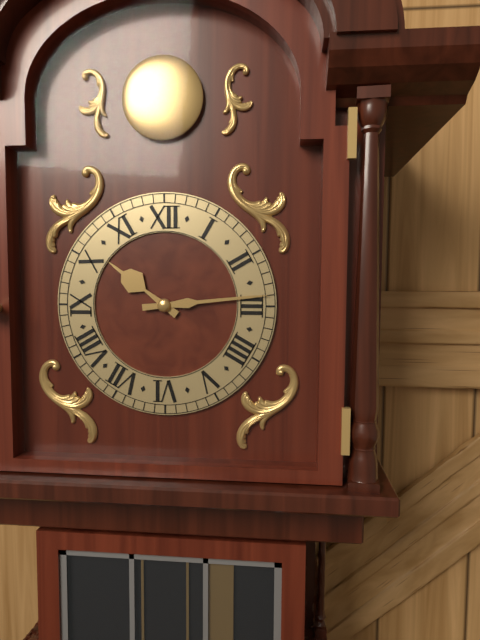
h=10 m=14
